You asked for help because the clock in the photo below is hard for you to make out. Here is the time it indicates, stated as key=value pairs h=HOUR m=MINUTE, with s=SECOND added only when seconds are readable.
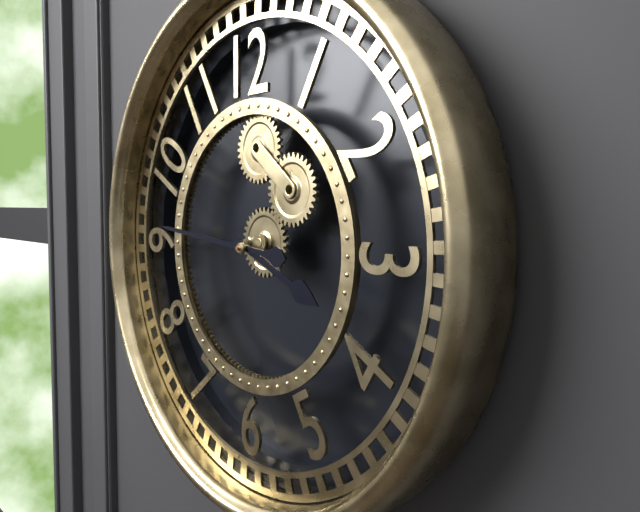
h=3 m=46
